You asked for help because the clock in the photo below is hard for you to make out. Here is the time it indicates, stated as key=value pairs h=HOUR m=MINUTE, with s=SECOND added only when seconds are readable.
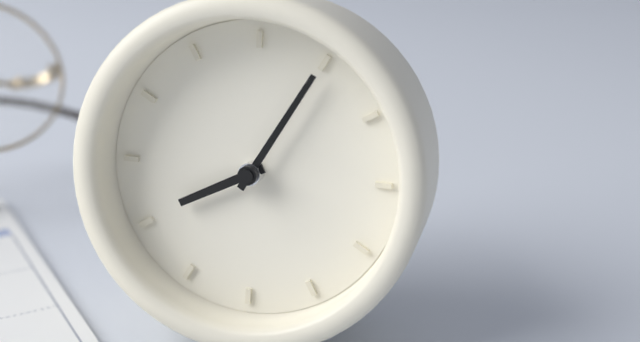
h=8 m=5
